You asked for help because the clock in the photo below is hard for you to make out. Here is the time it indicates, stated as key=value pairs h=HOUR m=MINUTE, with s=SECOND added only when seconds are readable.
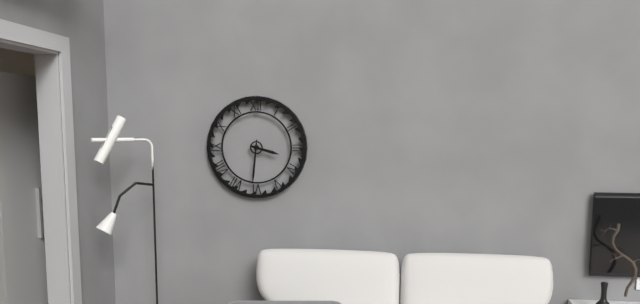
h=3 m=31
